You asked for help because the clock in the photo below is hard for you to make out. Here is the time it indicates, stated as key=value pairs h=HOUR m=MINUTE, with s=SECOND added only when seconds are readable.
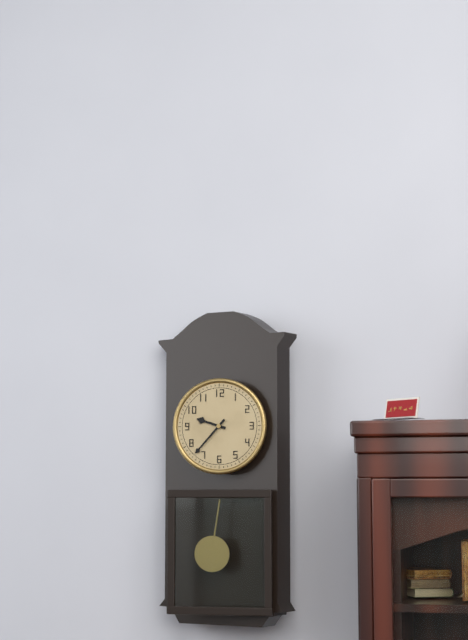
h=9 m=37
